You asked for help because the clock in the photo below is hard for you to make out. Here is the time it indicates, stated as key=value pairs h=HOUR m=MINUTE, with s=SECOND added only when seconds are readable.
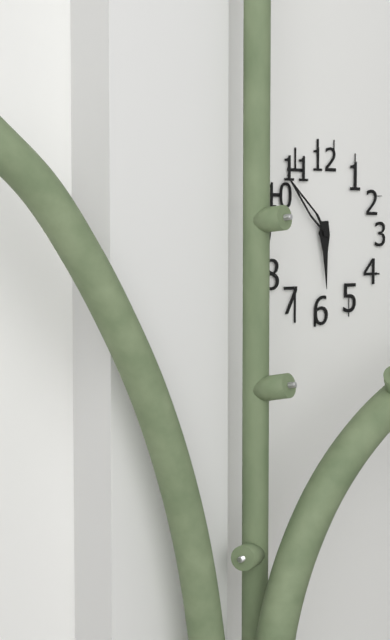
h=5 m=53
